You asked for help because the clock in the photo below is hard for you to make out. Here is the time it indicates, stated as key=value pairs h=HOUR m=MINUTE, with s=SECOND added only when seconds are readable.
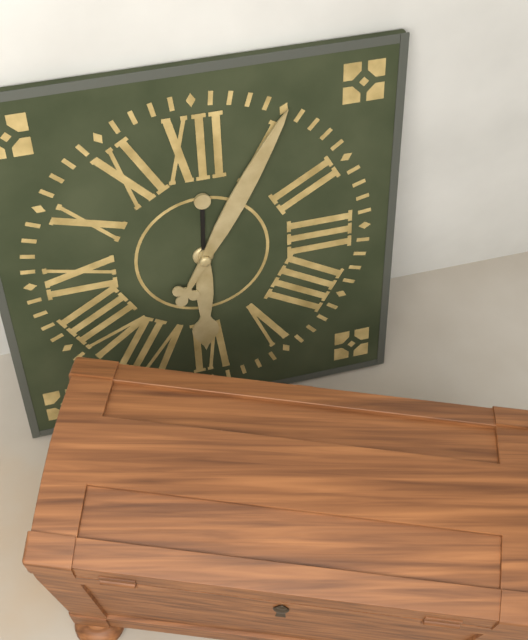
h=6 m=5
